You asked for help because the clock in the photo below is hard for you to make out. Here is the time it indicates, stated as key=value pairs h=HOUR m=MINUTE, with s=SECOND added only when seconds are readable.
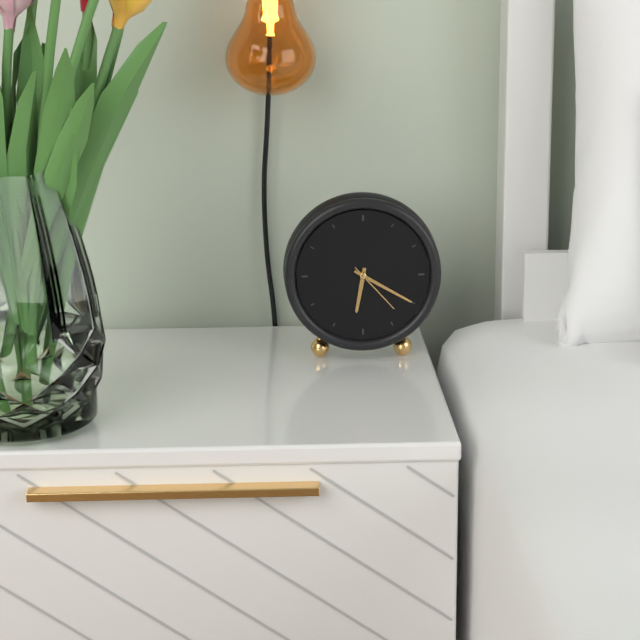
h=6 m=20 s=23
